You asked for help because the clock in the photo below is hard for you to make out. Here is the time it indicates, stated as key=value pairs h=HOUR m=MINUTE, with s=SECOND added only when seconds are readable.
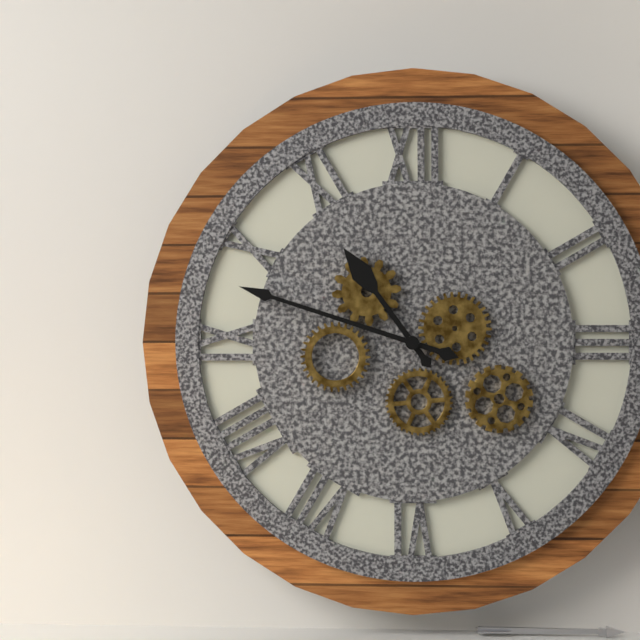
h=10 m=48
